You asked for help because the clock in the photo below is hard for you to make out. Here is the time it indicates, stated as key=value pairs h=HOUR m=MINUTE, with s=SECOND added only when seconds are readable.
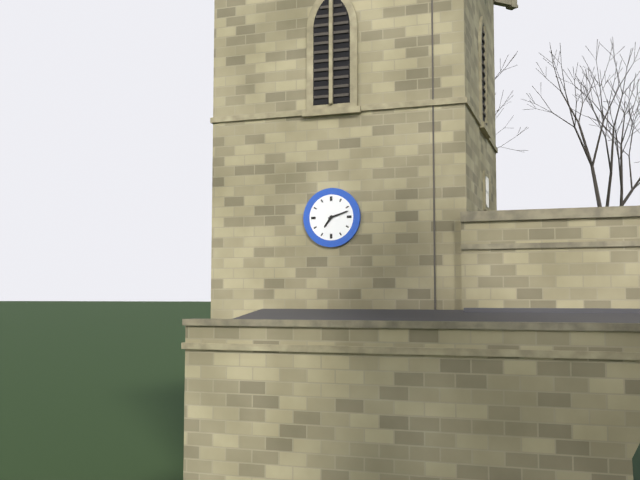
h=7 m=12
